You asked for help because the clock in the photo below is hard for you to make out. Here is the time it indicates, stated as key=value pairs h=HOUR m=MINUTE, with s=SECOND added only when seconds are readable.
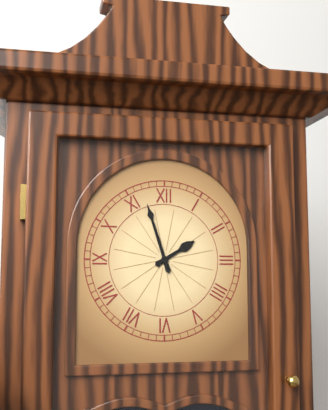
h=1 m=57
